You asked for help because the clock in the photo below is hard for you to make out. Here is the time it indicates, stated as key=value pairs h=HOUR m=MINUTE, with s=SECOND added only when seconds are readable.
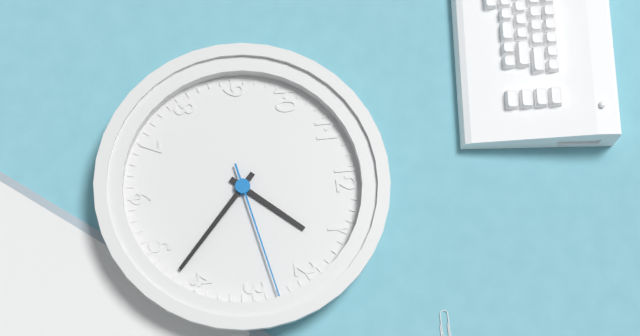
h=1 m=22 s=13
